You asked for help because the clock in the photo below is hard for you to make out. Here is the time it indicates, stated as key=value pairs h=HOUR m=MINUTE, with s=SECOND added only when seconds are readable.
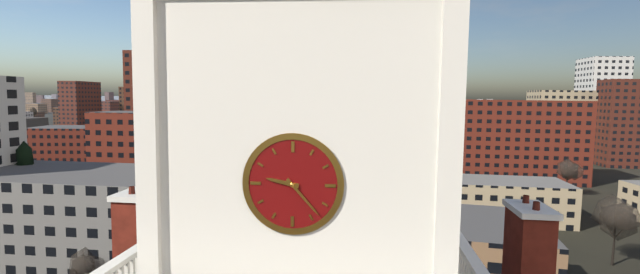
h=9 m=23
